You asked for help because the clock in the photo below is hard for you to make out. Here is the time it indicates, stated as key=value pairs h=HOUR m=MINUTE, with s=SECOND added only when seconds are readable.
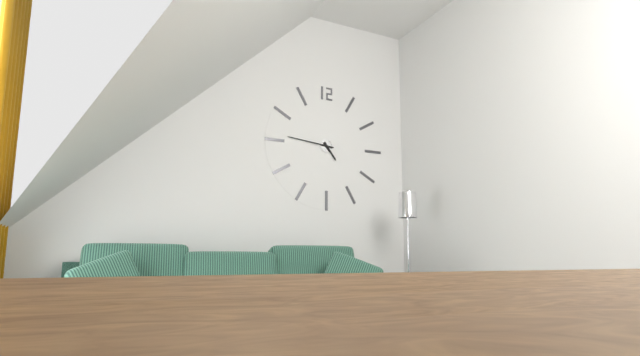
h=4 m=46
